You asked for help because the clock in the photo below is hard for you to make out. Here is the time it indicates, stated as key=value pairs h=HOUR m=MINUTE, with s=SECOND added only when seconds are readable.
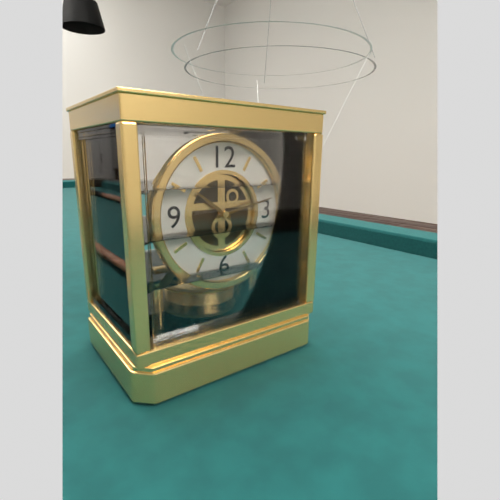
h=10 m=13
